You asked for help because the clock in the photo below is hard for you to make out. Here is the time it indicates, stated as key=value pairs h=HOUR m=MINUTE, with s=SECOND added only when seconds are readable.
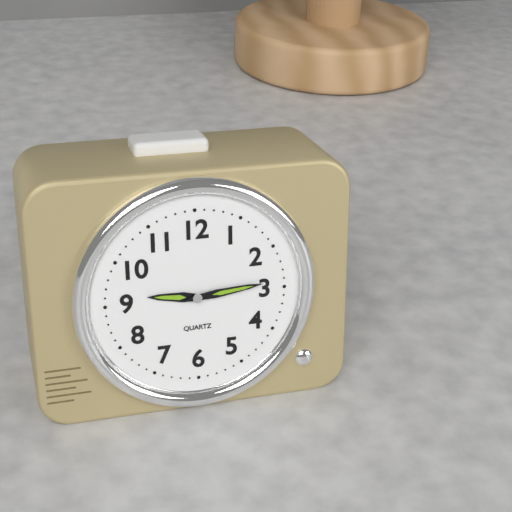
h=9 m=14
